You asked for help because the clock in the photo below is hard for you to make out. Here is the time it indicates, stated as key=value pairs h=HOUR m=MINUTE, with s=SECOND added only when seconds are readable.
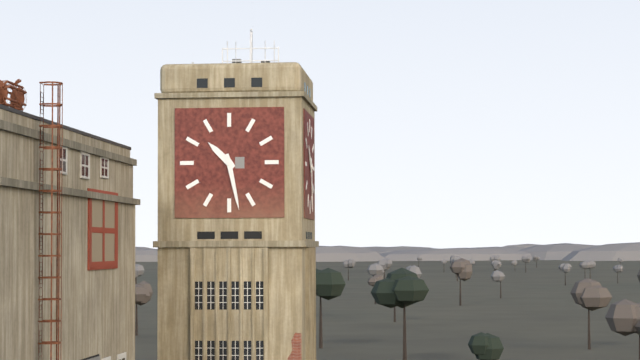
h=10 m=28
